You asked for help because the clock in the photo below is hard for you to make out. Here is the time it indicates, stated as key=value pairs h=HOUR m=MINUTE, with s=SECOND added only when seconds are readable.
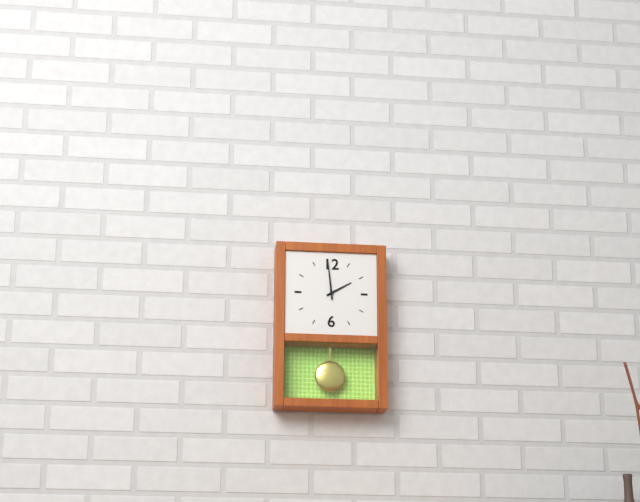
h=1 m=59
